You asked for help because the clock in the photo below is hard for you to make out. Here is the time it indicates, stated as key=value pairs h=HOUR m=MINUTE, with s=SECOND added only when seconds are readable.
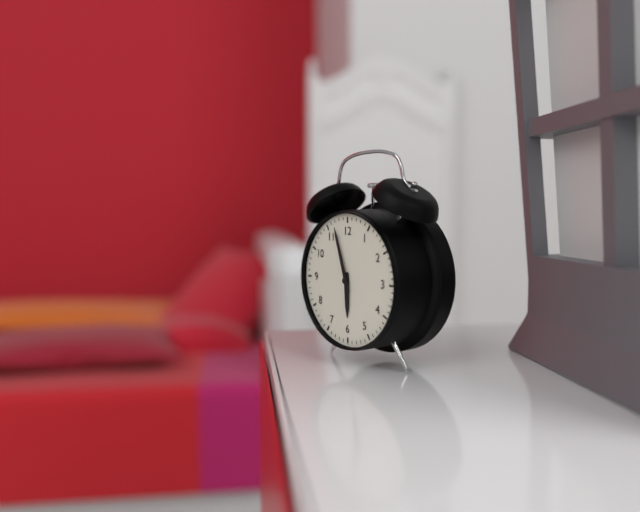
h=5 m=57
